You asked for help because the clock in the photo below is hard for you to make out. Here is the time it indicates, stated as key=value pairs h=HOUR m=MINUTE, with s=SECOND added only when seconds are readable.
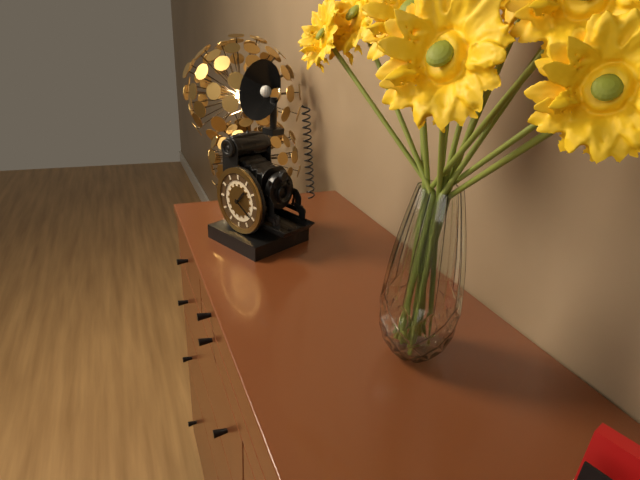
h=1 m=20
